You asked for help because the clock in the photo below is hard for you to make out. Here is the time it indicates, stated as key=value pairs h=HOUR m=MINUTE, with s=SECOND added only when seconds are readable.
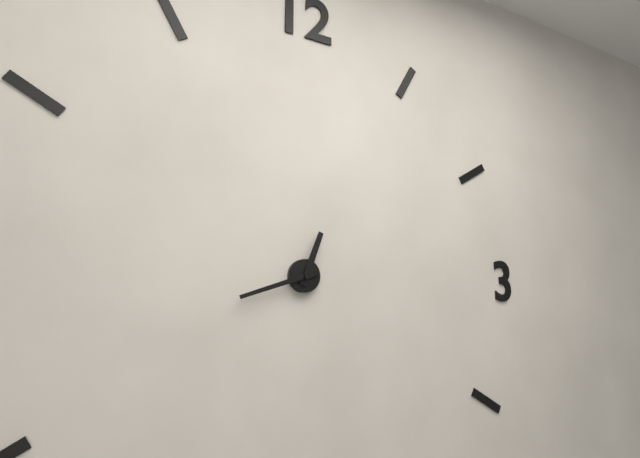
h=12 m=42
